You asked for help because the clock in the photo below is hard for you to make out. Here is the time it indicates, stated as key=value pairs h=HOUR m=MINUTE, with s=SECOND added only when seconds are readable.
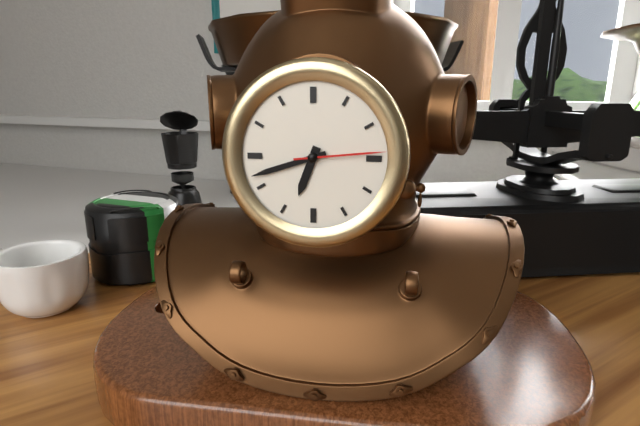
h=6 m=42 s=14
